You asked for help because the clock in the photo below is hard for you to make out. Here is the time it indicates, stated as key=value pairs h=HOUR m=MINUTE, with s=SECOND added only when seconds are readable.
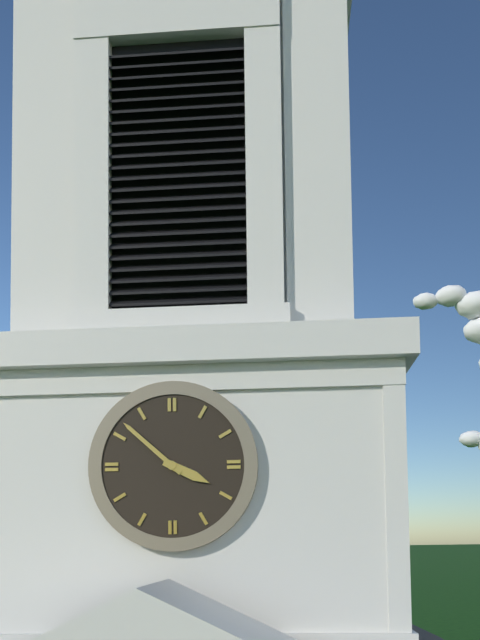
h=3 m=52
